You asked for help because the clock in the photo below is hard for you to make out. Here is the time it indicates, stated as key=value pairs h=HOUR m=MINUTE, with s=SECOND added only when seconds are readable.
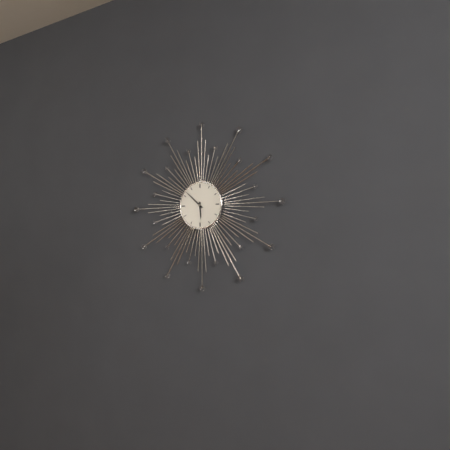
h=5 m=52
